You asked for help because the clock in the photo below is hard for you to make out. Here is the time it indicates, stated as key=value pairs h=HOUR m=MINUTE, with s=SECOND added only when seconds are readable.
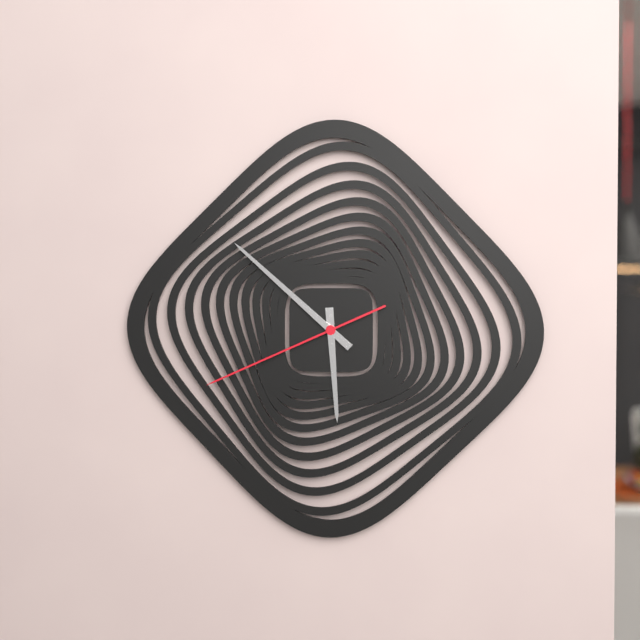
h=5 m=52 s=41
